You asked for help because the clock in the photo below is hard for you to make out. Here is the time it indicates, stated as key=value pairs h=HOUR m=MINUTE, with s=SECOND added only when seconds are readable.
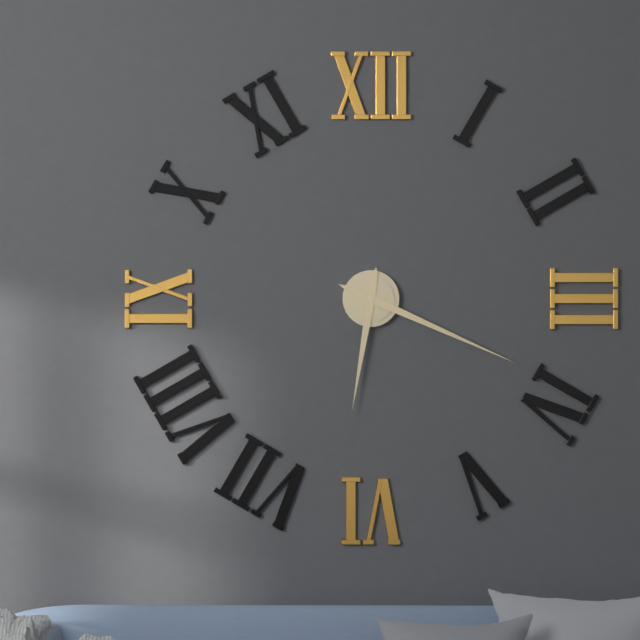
h=6 m=19
